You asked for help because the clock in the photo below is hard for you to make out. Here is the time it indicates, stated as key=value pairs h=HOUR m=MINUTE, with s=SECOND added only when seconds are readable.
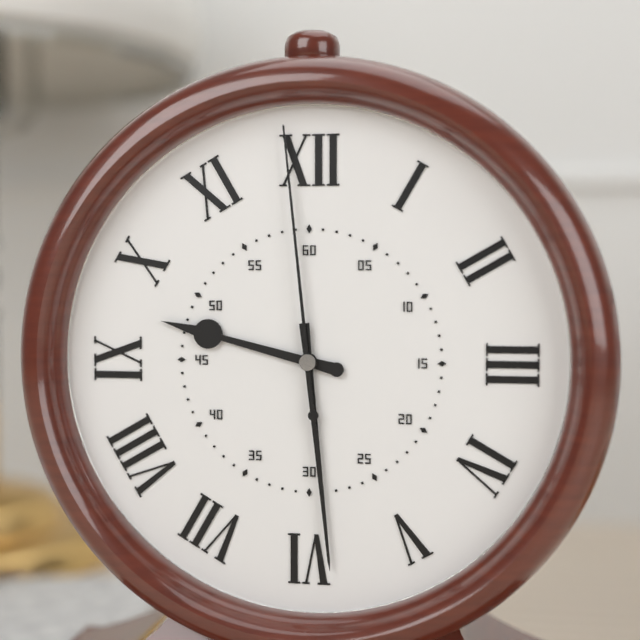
h=9 m=29 s=59
